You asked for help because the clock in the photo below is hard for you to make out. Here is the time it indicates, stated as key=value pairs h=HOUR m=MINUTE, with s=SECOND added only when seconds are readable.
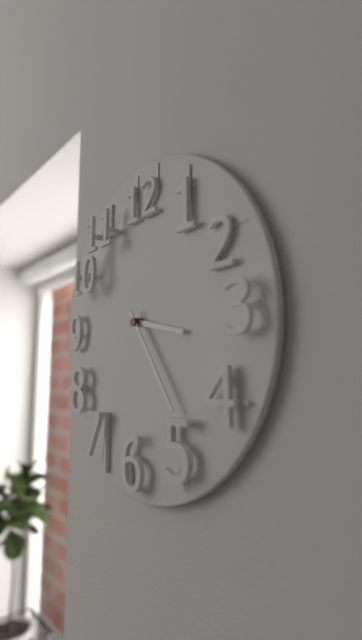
h=3 m=24
